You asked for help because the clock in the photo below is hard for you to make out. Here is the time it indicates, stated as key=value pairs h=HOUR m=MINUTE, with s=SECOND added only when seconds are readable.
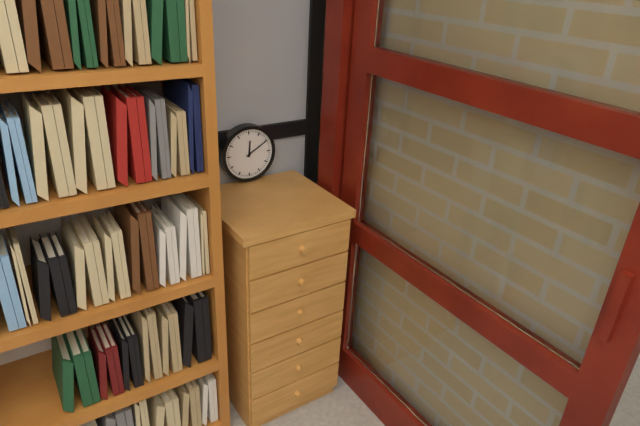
h=12 m=10
